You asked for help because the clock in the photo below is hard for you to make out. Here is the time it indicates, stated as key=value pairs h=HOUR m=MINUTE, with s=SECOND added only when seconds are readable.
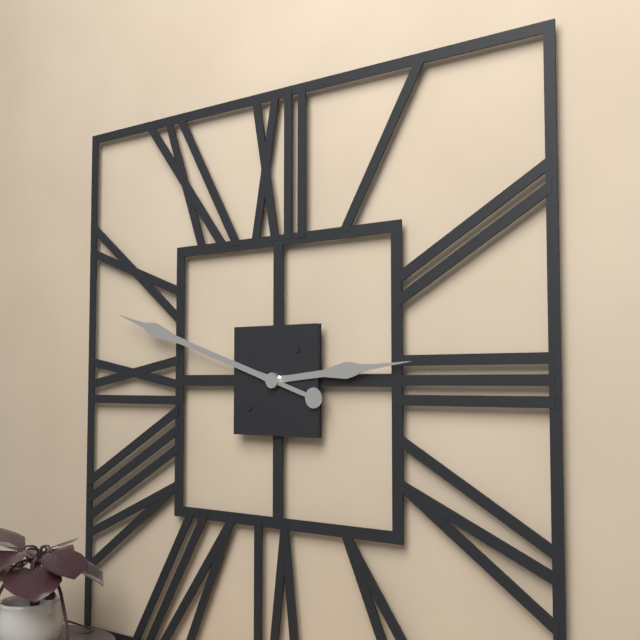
h=2 m=48
